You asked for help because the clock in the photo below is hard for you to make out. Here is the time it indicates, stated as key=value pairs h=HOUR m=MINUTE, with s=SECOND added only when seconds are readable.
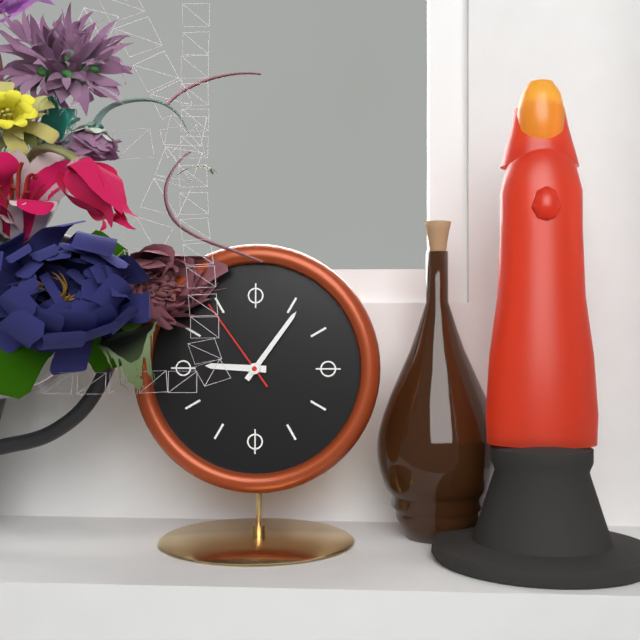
h=9 m=6 s=54
